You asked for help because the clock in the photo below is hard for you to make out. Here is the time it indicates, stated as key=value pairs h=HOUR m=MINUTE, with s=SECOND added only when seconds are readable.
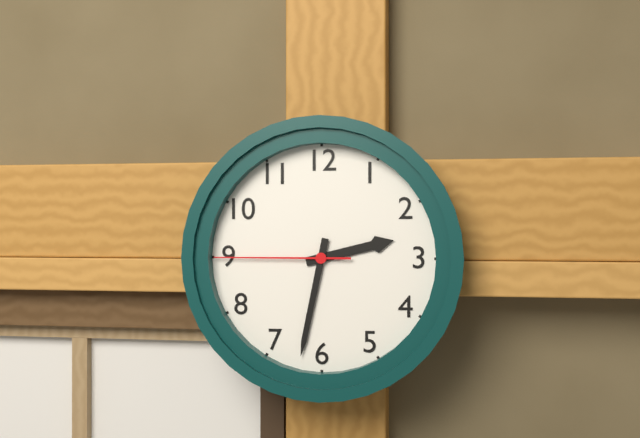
h=2 m=32 s=45
